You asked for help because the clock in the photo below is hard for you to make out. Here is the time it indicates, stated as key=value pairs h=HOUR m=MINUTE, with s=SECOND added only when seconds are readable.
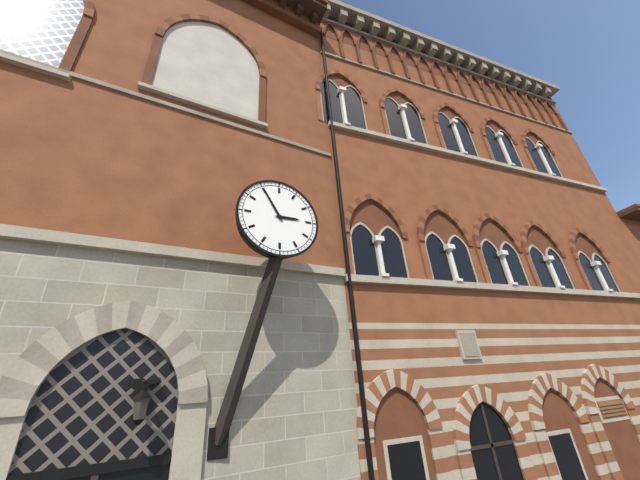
h=2 m=55
